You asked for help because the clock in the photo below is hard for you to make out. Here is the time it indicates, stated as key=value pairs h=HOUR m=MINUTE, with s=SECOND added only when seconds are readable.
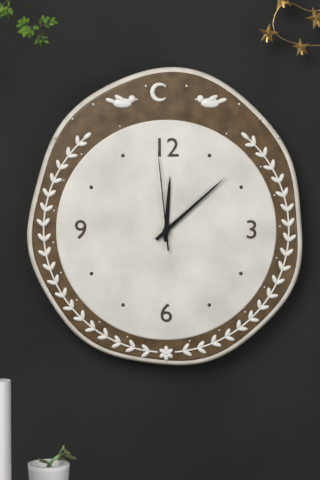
h=12 m=8 s=59
